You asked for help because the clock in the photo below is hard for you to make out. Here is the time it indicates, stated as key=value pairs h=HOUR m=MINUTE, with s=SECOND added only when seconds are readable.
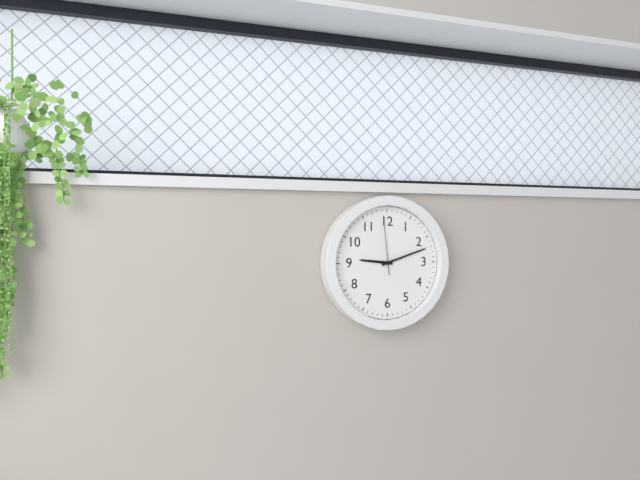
h=9 m=12 s=59
